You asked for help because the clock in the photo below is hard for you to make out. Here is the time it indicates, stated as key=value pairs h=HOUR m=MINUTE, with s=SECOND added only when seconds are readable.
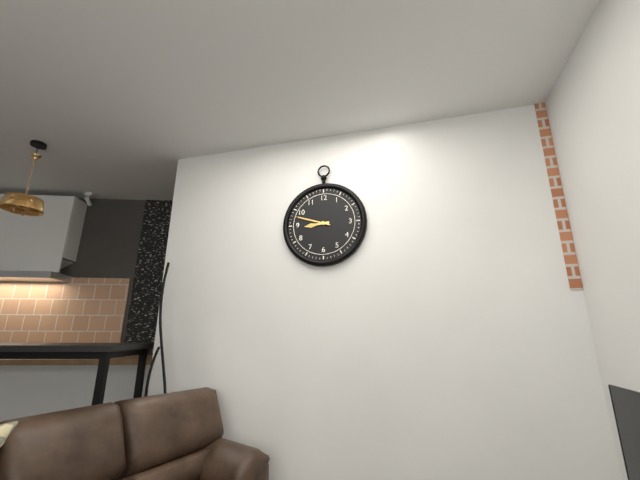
h=8 m=48
